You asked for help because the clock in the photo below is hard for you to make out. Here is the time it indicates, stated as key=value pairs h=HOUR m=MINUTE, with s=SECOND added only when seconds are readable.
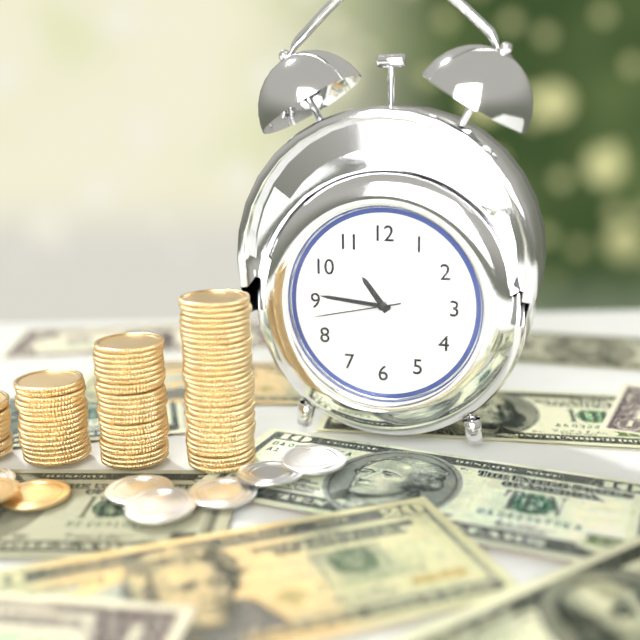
h=10 m=46 s=43
